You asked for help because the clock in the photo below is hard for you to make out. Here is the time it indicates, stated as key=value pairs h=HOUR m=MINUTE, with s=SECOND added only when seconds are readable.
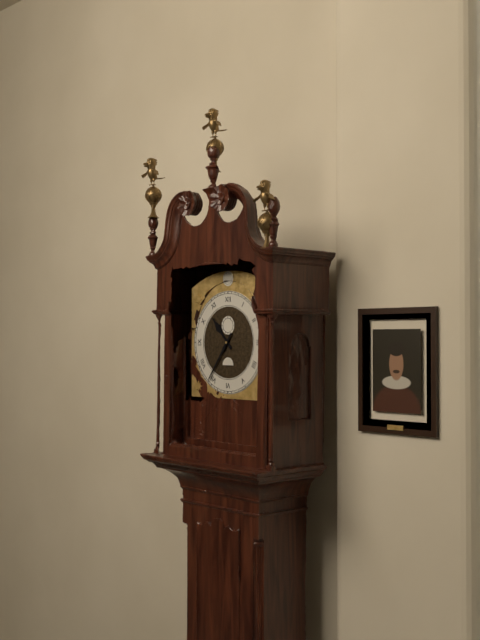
h=10 m=36
